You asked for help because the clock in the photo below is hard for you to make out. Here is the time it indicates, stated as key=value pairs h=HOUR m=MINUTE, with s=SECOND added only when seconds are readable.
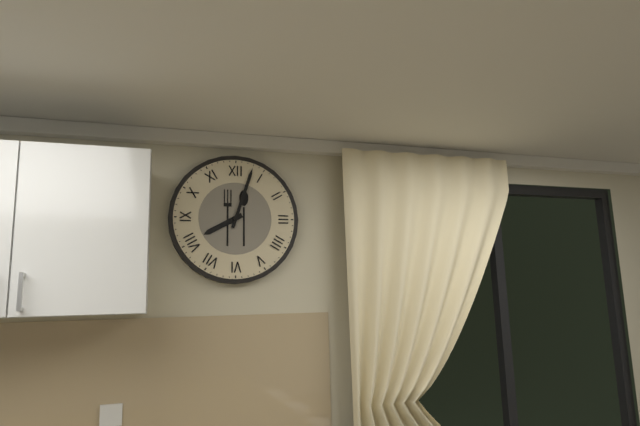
h=8 m=3
